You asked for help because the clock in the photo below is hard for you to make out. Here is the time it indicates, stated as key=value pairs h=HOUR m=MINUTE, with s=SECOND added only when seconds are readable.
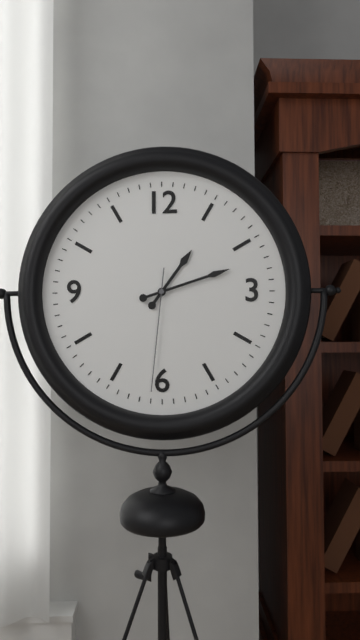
h=1 m=12 s=31
